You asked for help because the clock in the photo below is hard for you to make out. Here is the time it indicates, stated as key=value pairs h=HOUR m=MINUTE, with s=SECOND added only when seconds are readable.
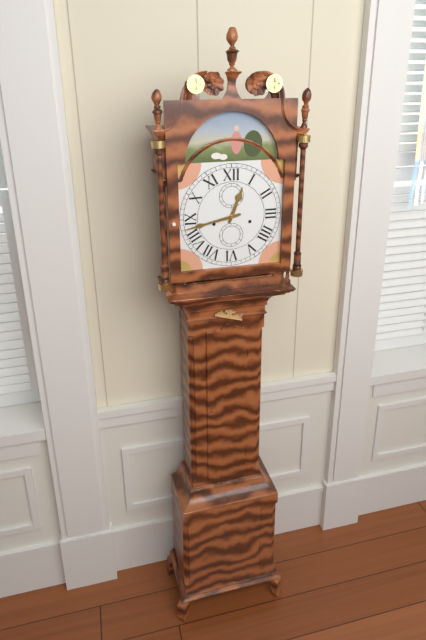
h=12 m=43
